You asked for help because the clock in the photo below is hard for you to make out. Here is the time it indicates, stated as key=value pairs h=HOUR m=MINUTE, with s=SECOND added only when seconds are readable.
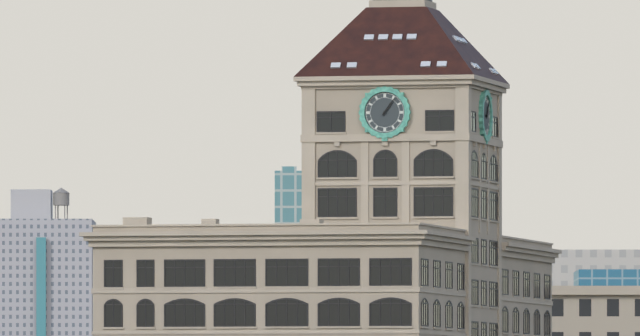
h=1 m=6
